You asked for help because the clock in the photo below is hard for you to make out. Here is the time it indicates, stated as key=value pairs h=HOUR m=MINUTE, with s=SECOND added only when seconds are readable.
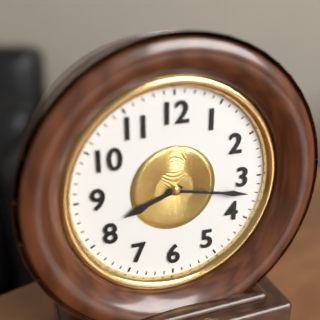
h=8 m=17
